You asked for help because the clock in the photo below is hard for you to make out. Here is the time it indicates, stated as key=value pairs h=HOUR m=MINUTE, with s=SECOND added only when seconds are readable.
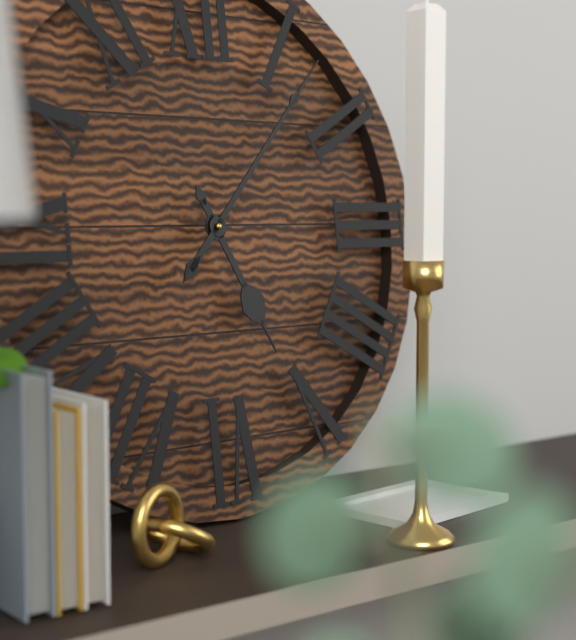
h=5 m=7
